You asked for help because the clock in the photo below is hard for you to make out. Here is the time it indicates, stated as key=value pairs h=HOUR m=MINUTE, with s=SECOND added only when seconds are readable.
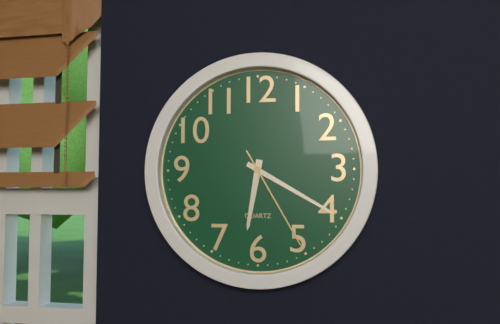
h=6 m=20 s=25
